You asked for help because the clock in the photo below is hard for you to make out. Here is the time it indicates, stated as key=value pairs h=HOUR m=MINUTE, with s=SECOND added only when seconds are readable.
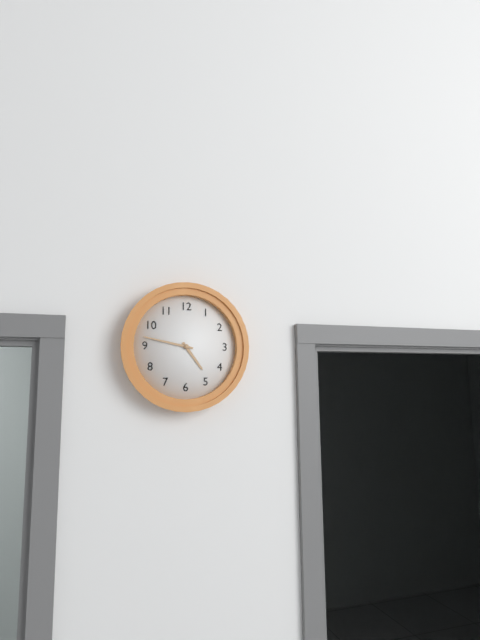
h=4 m=47
